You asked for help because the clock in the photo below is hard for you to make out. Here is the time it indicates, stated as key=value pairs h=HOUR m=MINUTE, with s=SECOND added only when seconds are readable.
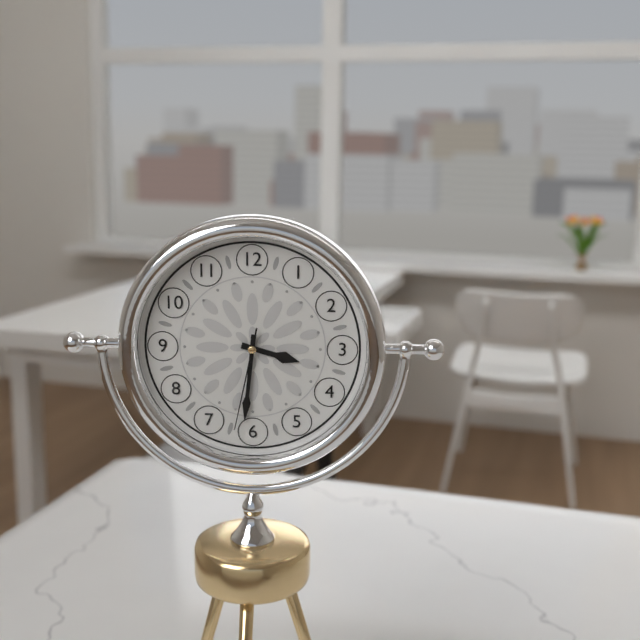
h=3 m=31 s=32
